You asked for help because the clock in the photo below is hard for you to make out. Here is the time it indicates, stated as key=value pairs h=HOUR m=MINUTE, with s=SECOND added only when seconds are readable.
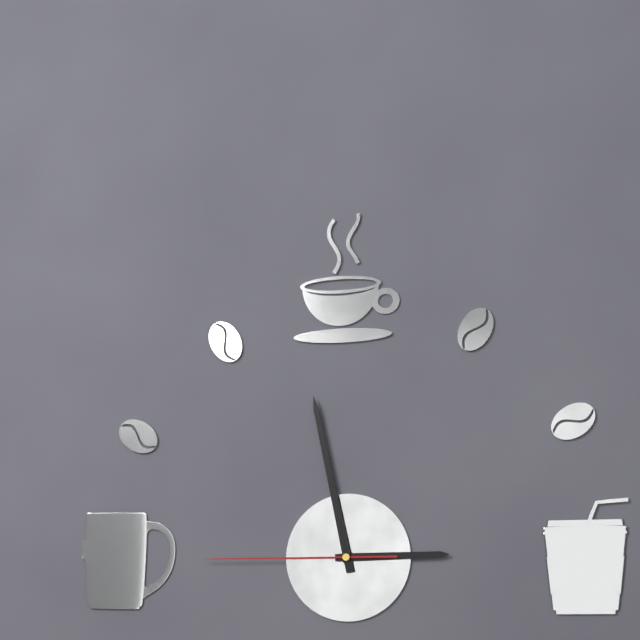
h=2 m=58 s=45
